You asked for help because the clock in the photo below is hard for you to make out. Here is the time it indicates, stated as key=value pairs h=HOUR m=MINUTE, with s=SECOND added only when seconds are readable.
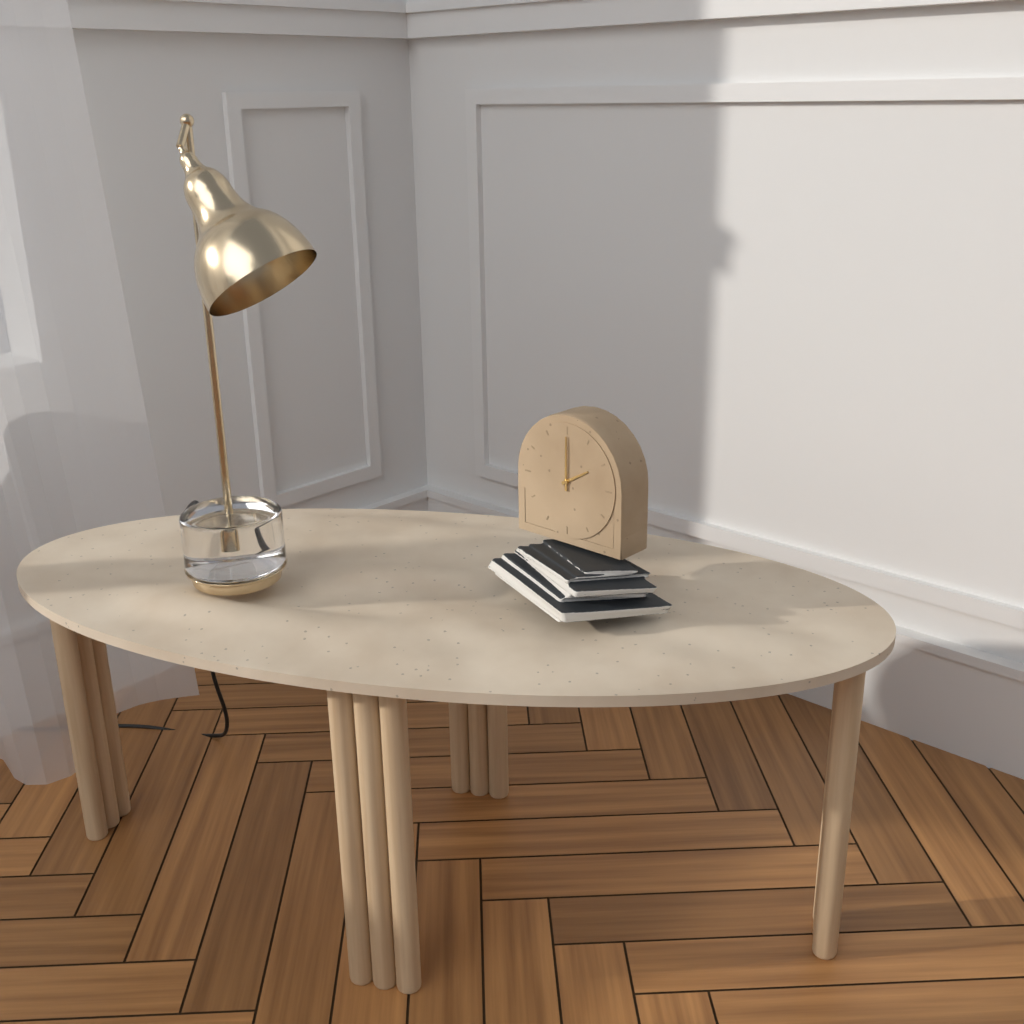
h=2 m=0
